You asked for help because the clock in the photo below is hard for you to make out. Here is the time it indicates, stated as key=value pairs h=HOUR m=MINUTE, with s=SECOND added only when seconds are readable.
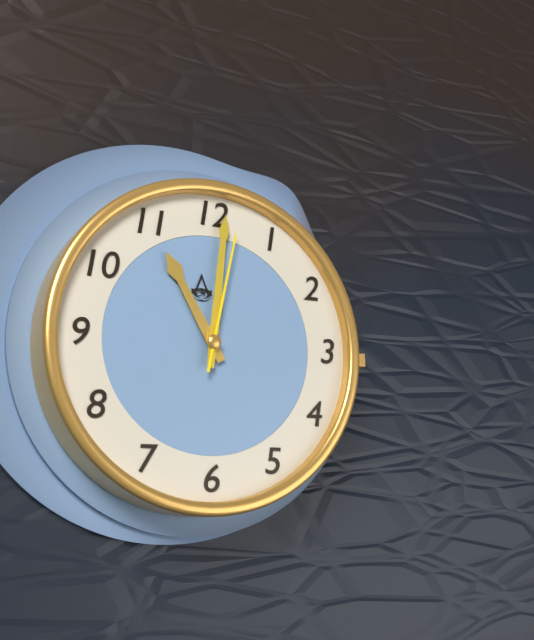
h=11 m=1 s=2
